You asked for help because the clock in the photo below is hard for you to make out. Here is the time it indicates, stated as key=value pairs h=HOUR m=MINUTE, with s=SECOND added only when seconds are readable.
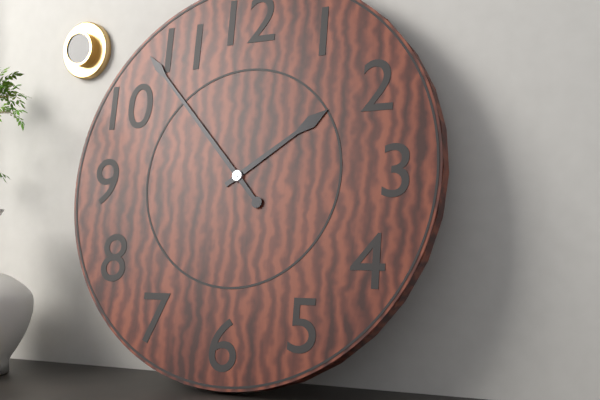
h=1 m=53
